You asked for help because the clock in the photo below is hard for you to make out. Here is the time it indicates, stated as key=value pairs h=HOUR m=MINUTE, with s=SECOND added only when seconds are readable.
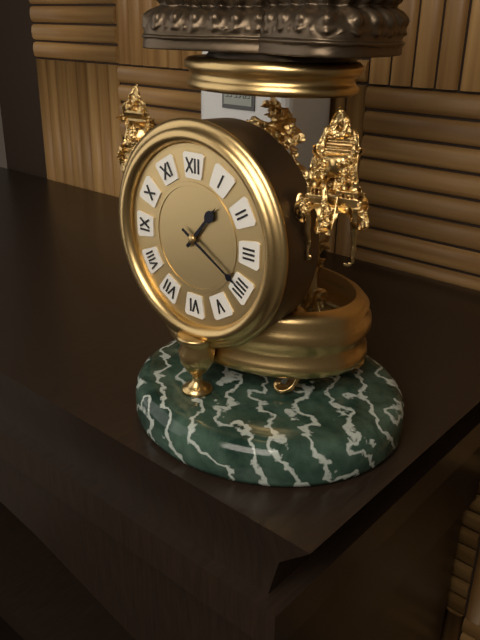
h=1 m=20
